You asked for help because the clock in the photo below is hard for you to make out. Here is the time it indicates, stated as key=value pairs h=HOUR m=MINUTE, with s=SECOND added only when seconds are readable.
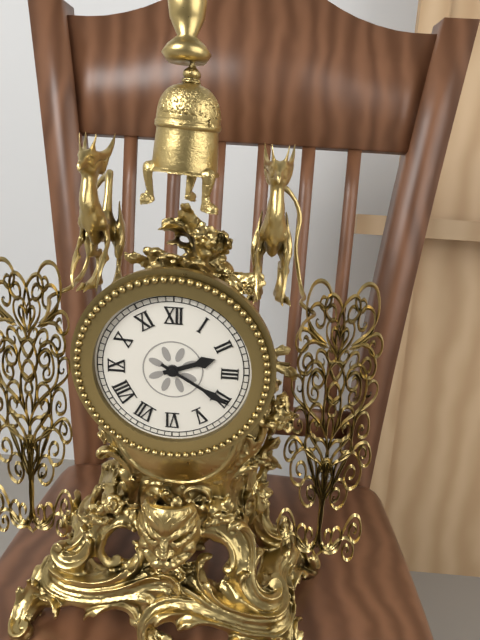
h=2 m=20
